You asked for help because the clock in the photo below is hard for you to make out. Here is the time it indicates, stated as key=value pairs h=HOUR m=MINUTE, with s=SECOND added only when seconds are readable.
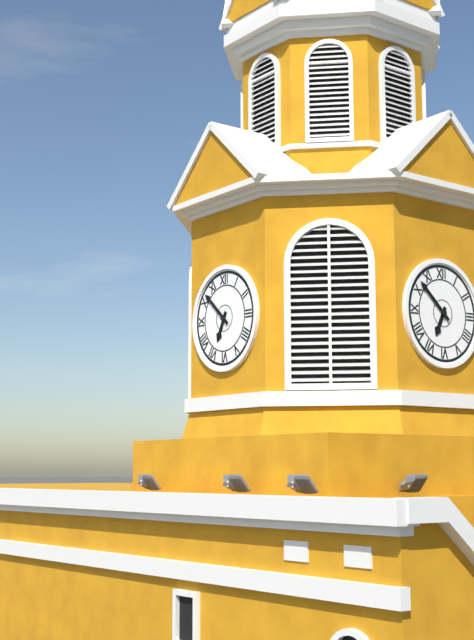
h=6 m=52
